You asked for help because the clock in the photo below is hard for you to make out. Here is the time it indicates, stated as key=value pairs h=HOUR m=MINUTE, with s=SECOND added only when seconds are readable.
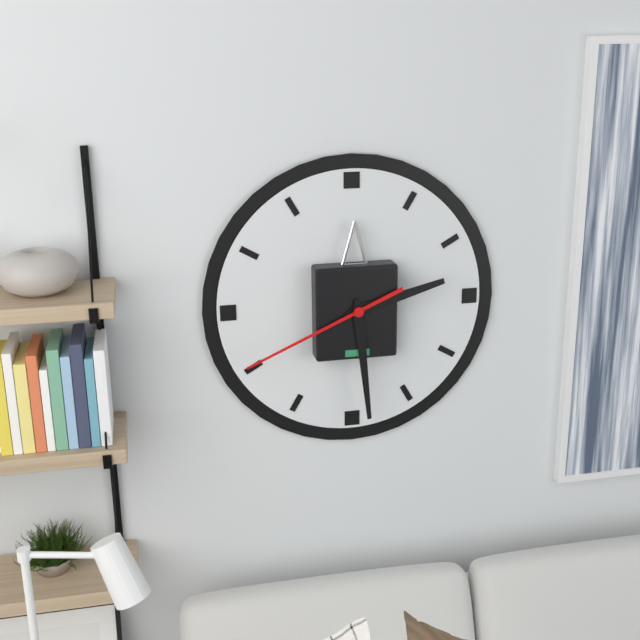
h=2 m=29 s=41
